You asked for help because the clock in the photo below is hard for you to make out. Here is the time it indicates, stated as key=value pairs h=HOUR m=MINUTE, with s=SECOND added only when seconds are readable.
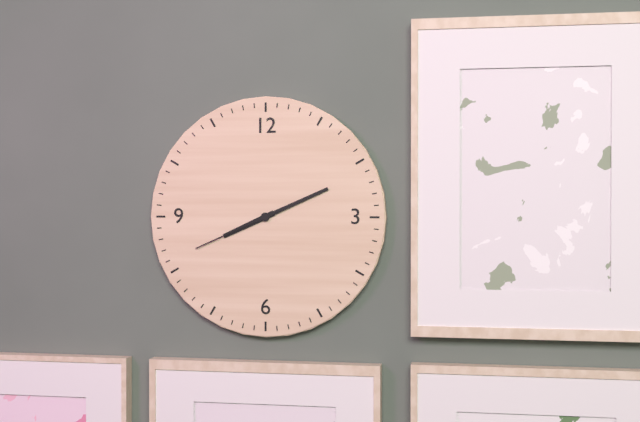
h=8 m=11 s=41
